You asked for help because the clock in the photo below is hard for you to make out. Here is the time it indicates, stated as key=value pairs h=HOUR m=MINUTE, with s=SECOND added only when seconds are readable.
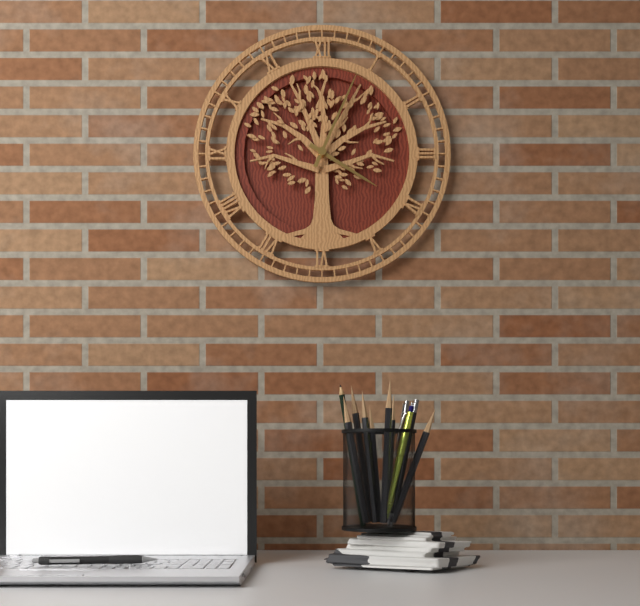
h=4 m=4
